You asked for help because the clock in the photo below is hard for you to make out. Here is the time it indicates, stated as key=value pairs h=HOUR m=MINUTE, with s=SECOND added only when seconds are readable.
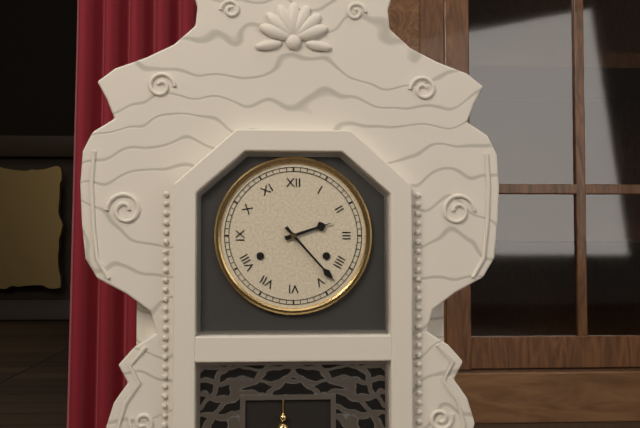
h=2 m=23
